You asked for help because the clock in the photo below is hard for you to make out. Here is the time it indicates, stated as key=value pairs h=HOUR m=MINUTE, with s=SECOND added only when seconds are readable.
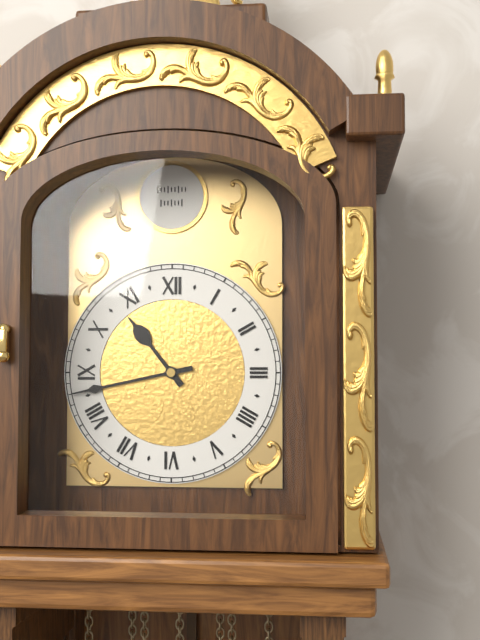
h=10 m=43
